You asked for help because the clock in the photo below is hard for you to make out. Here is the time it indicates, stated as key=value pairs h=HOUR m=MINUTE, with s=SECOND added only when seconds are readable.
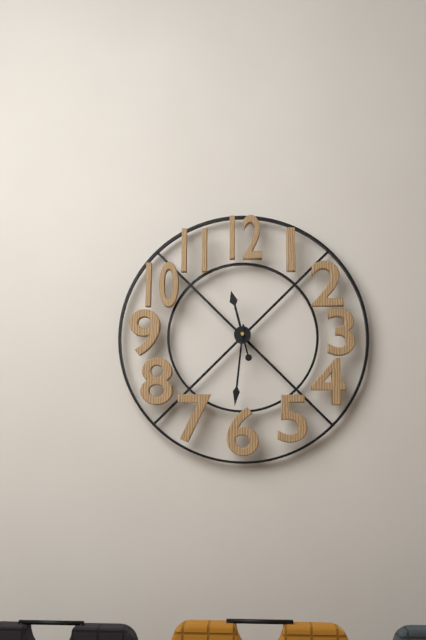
h=11 m=31
